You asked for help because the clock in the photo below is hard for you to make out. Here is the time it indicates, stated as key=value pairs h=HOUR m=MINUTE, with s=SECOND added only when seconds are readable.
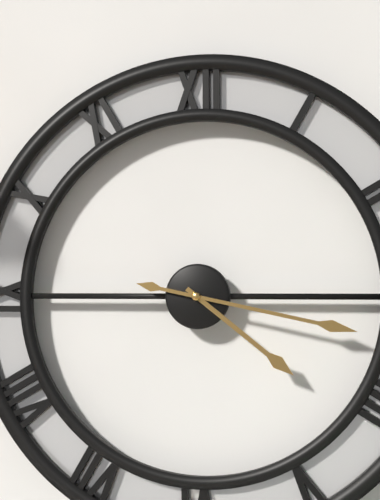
h=4 m=17
